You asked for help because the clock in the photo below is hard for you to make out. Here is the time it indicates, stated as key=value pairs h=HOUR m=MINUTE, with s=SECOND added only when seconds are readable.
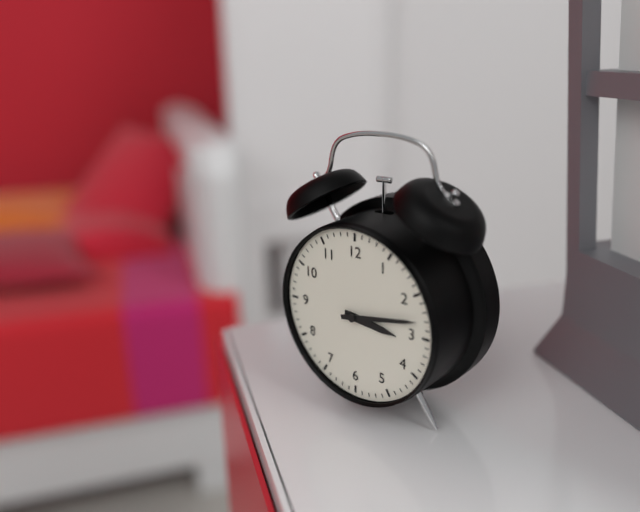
h=3 m=13
